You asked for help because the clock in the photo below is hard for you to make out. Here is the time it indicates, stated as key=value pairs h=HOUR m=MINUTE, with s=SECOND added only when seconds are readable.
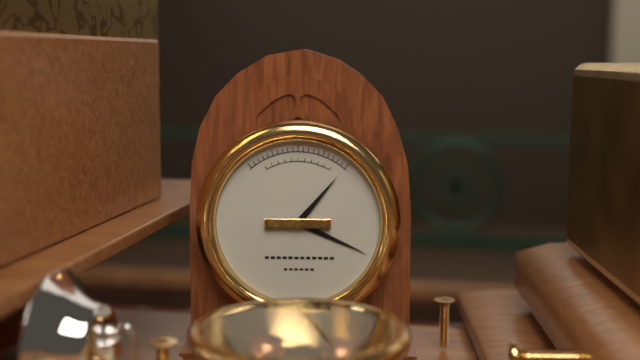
h=1 m=19
